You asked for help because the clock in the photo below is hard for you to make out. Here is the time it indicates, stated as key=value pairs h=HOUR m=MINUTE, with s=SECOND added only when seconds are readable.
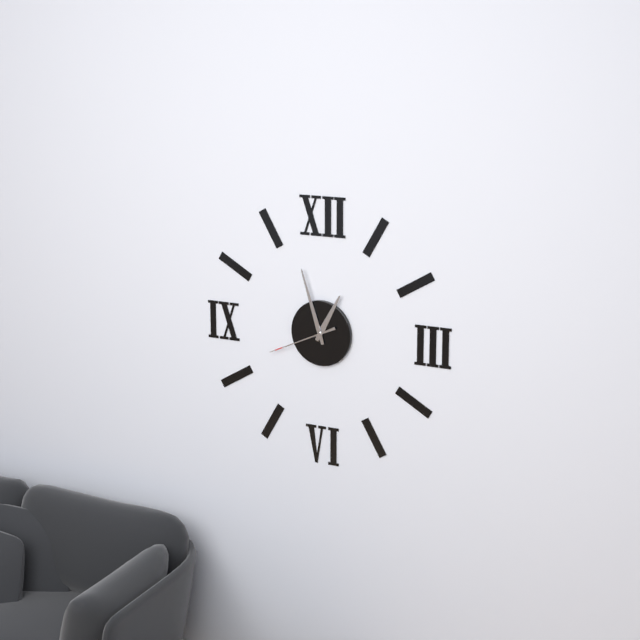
h=12 m=57 s=41
